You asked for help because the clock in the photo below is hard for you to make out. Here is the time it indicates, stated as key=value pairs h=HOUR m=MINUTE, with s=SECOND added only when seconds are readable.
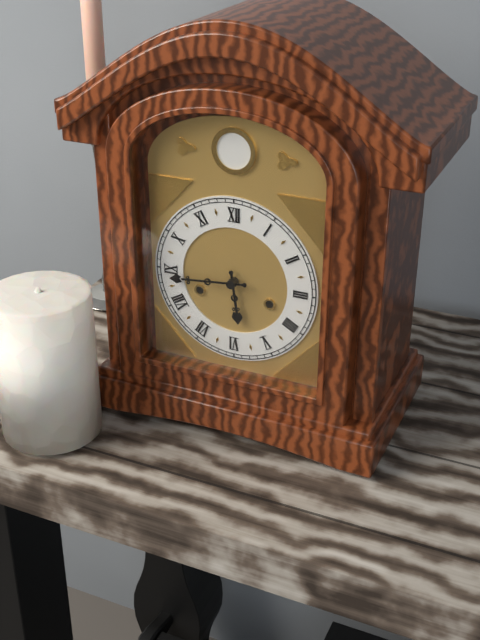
h=5 m=44
